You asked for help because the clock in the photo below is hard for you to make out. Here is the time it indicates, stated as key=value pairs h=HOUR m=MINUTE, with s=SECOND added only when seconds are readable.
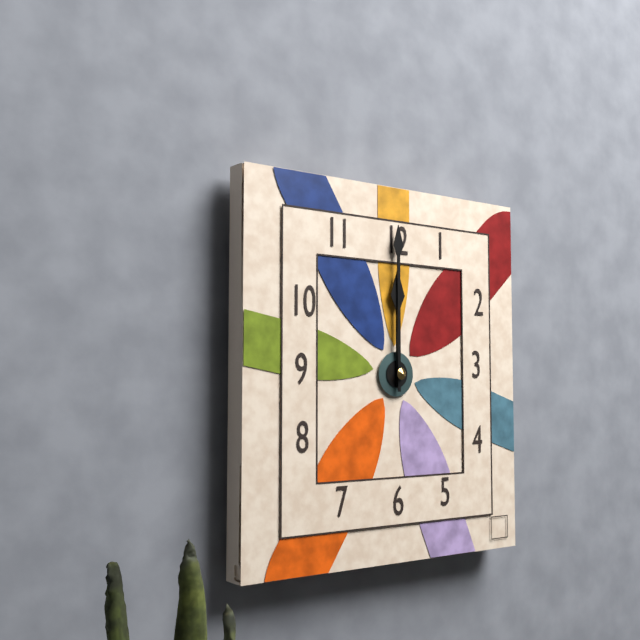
h=12 m=0
